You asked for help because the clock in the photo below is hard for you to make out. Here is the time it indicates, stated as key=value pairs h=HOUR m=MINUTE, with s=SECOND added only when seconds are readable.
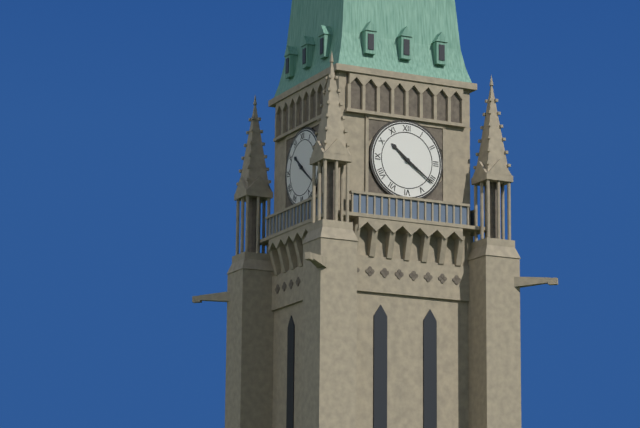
h=10 m=21
